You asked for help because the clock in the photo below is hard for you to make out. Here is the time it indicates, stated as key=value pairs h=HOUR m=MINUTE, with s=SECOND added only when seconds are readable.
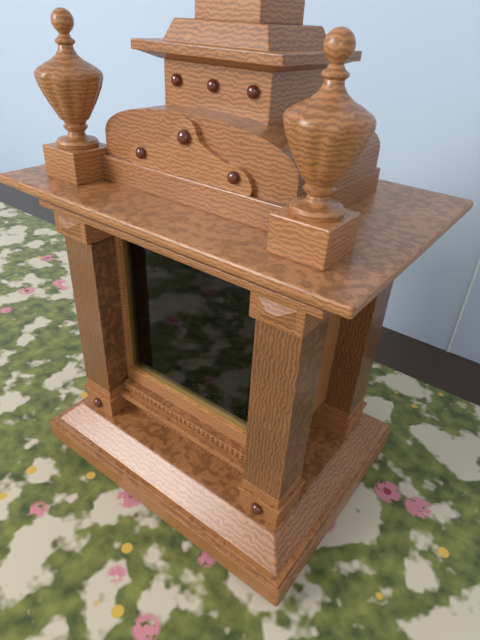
h=3 m=27
